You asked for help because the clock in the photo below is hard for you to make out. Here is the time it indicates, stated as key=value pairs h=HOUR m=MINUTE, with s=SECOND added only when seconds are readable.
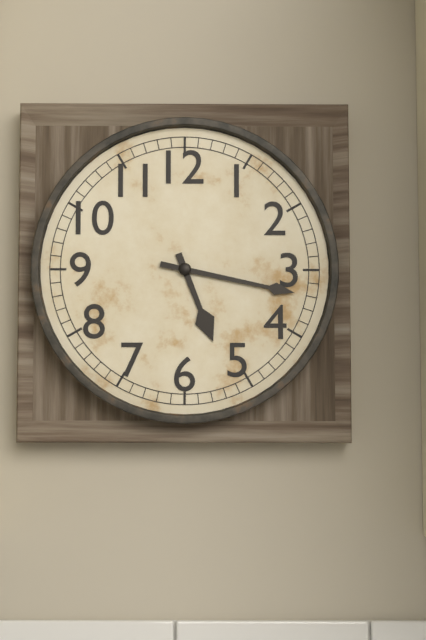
h=5 m=17
